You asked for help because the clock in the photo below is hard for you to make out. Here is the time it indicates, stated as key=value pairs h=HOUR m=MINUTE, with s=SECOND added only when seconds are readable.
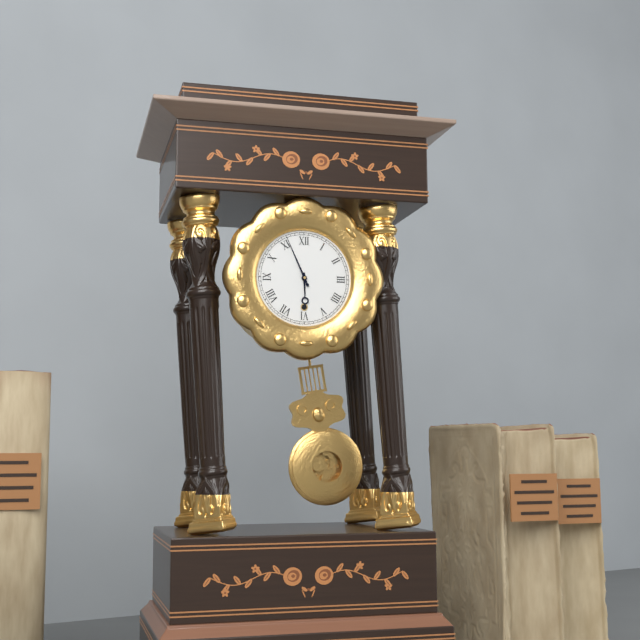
h=5 m=56
